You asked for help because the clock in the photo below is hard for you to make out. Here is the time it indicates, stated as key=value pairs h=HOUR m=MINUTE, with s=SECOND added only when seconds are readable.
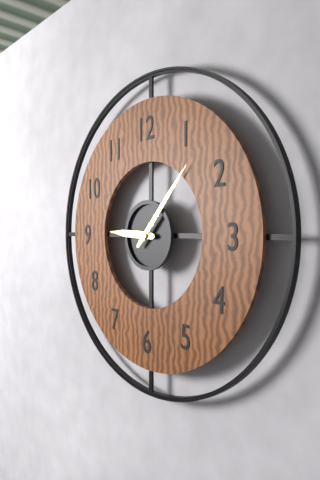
h=9 m=7
